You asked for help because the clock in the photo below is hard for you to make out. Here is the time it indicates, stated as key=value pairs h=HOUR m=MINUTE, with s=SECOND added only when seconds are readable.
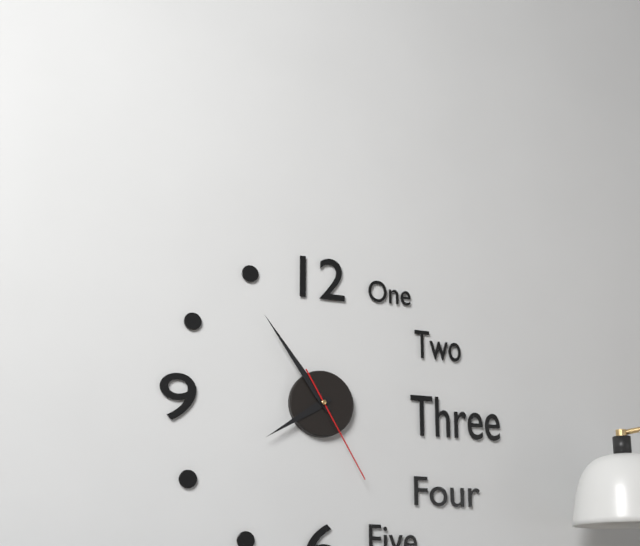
h=7 m=54 s=25
